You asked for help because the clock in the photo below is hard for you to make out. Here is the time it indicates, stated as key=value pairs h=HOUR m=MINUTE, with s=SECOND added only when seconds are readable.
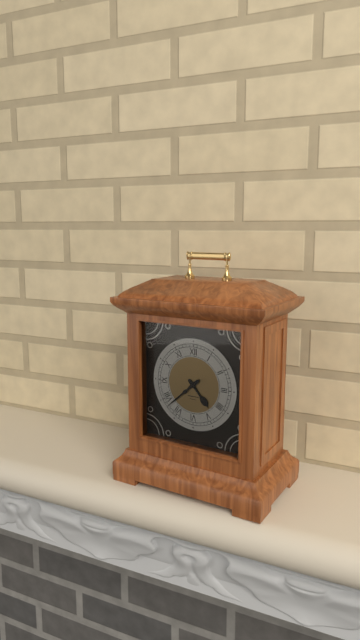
h=4 m=38
